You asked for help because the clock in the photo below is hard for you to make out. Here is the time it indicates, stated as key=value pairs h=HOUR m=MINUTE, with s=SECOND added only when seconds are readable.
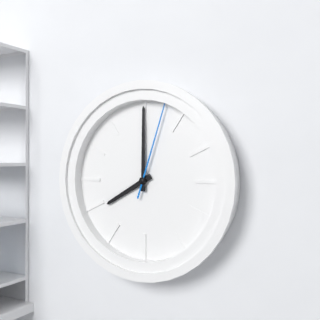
h=8 m=0 s=3
